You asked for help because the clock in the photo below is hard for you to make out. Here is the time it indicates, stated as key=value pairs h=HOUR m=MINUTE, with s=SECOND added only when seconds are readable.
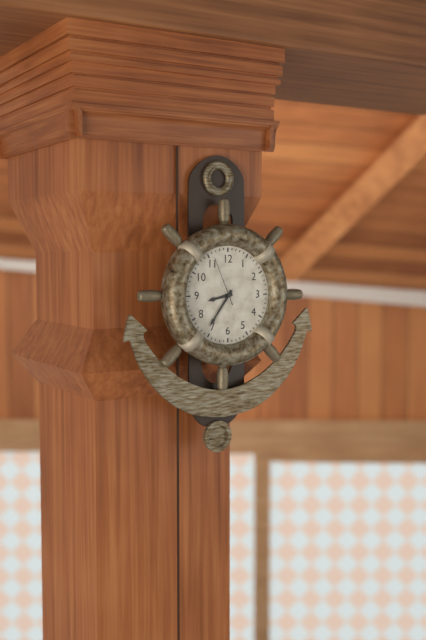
h=8 m=36 s=56
